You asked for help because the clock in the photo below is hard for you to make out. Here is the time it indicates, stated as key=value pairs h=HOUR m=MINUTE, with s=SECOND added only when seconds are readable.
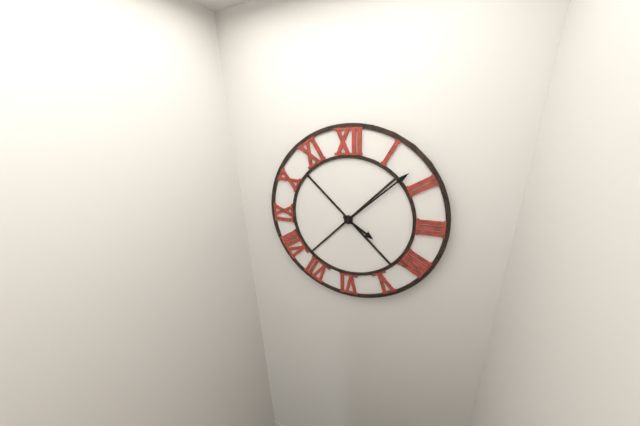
h=4 m=8
